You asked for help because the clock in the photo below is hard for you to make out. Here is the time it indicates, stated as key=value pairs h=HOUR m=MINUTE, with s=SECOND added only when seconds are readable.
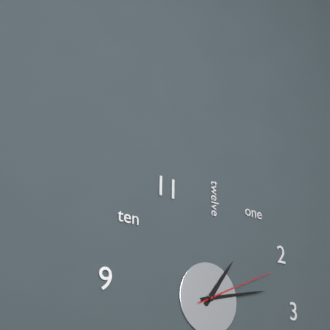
h=1 m=13 s=11
